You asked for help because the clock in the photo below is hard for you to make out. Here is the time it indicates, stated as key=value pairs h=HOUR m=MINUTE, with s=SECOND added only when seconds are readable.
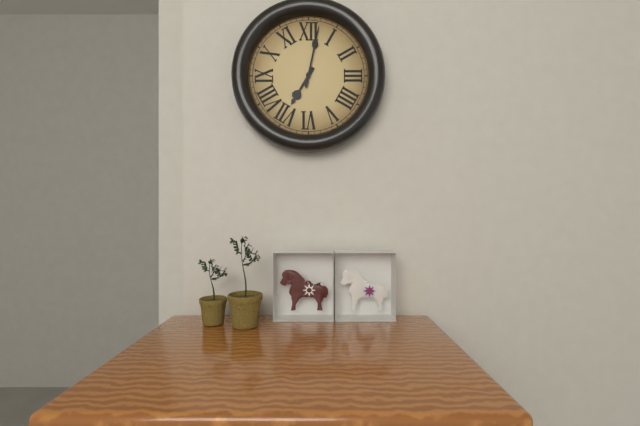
h=7 m=2
